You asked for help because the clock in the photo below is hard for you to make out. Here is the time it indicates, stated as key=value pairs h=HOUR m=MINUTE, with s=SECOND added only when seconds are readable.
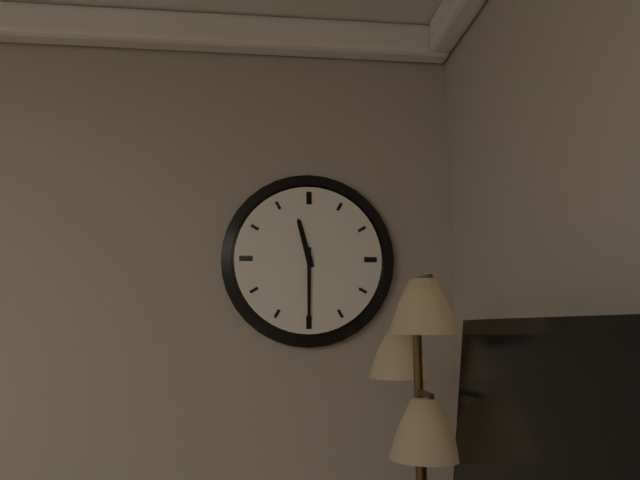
h=11 m=30
